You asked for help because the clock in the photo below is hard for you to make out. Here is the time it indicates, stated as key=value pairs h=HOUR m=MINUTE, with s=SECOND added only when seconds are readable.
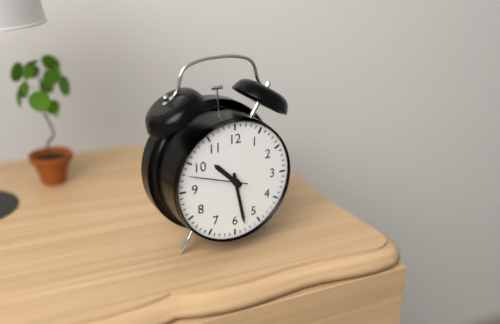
h=10 m=28 s=48
